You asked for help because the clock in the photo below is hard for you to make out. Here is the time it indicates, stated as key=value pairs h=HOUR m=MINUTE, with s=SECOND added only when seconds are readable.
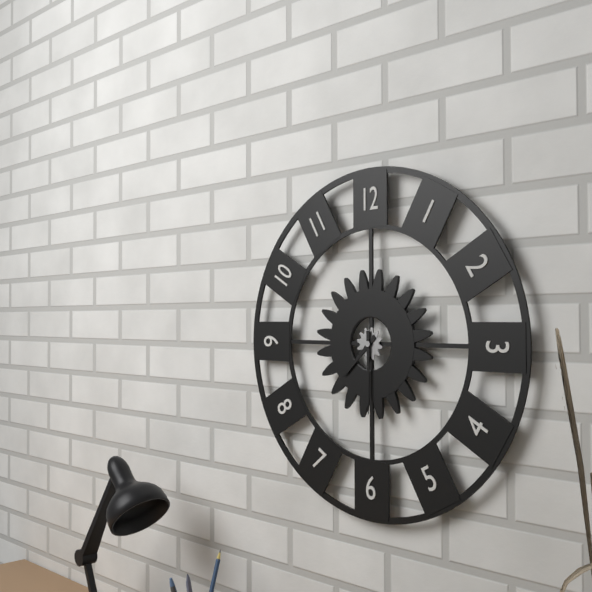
h=7 m=30
